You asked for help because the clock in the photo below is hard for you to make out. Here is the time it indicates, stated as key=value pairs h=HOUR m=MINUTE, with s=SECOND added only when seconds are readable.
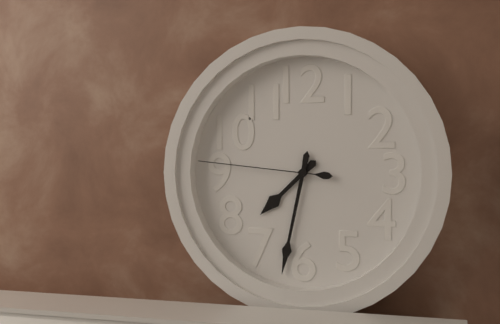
h=7 m=32 s=46
